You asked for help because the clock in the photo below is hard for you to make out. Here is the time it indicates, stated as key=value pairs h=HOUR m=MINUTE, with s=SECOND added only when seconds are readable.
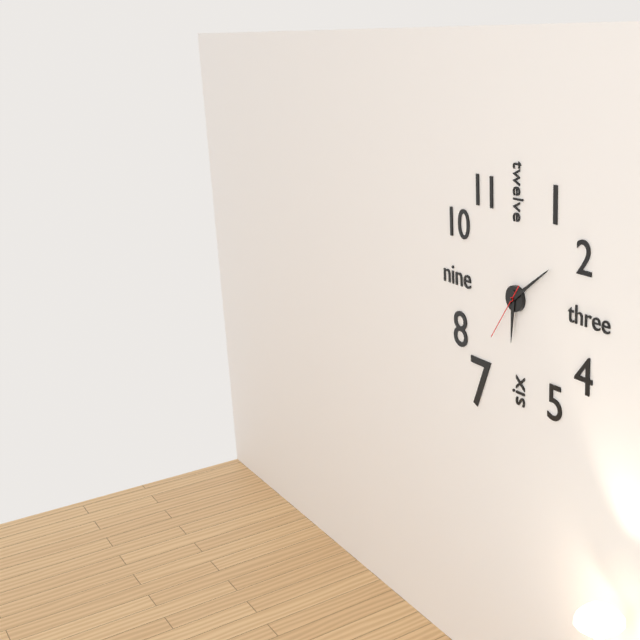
h=6 m=9 s=36
